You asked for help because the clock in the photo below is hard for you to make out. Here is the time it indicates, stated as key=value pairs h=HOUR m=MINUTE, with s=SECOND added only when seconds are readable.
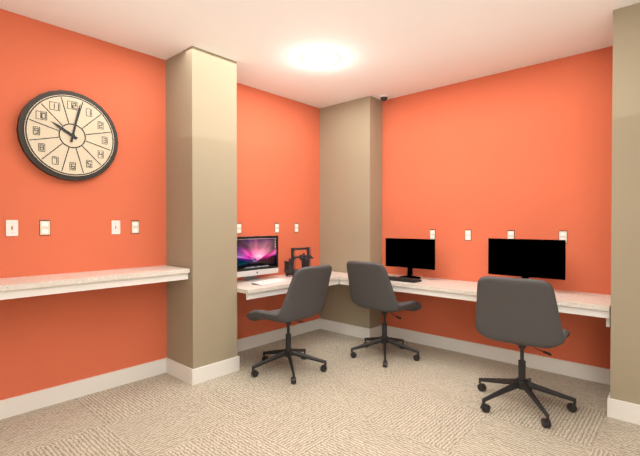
h=10 m=2
